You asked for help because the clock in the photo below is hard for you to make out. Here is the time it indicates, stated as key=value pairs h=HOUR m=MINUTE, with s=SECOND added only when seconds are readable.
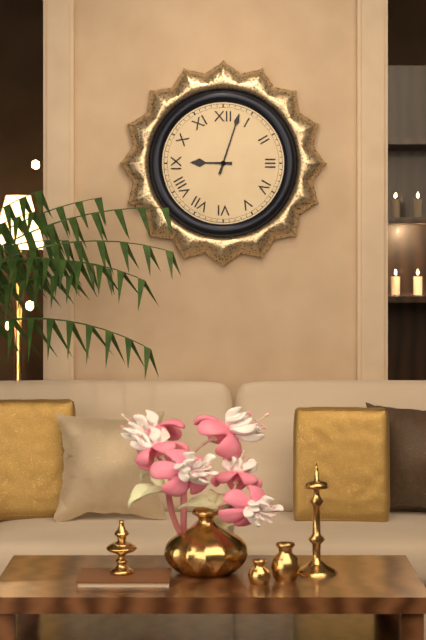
h=9 m=3
